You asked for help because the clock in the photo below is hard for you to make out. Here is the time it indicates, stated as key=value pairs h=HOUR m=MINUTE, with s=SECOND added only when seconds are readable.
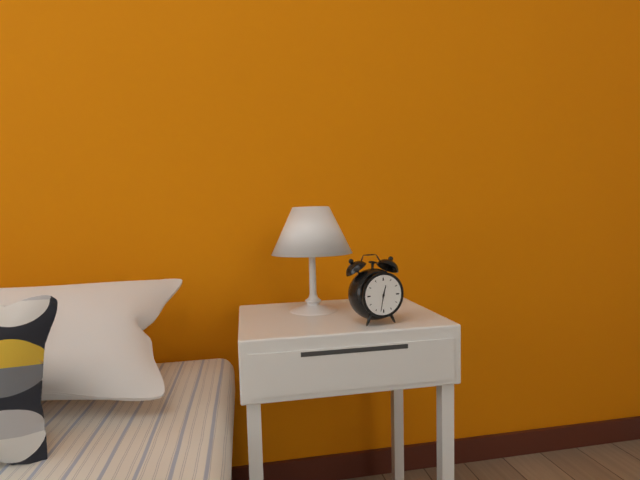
h=12 m=32
